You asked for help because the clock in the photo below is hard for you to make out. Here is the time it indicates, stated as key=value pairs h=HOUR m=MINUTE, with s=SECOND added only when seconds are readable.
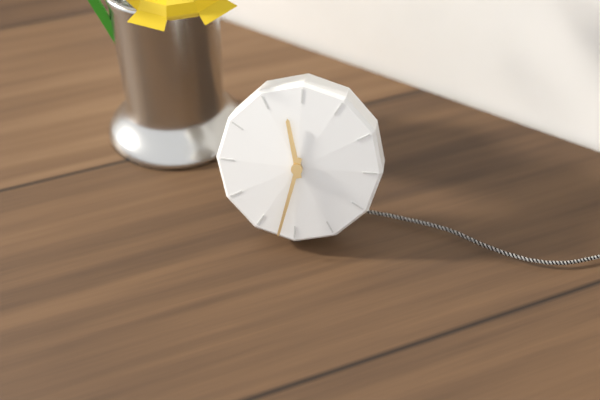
h=11 m=32
